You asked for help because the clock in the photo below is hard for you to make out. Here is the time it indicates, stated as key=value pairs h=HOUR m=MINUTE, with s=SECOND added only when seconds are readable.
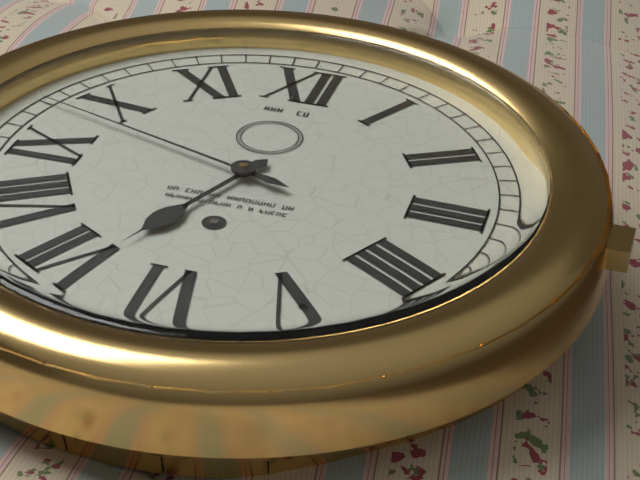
h=6 m=48
